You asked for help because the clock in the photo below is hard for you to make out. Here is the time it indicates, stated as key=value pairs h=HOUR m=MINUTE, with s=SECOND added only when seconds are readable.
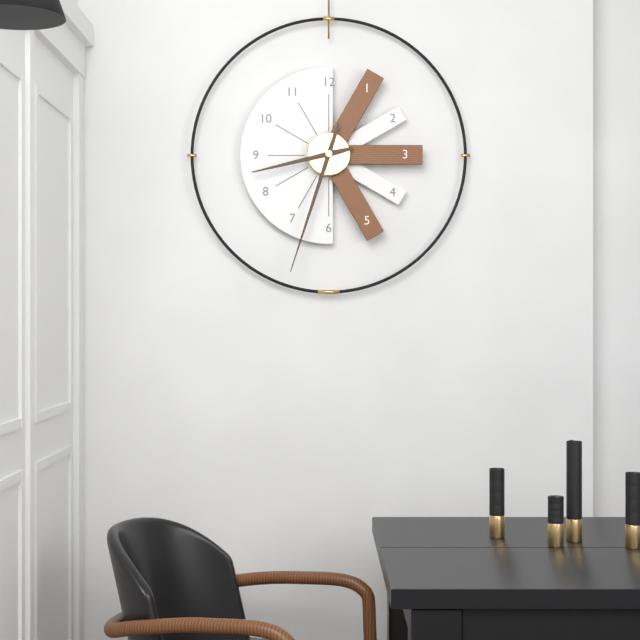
h=8 m=33
